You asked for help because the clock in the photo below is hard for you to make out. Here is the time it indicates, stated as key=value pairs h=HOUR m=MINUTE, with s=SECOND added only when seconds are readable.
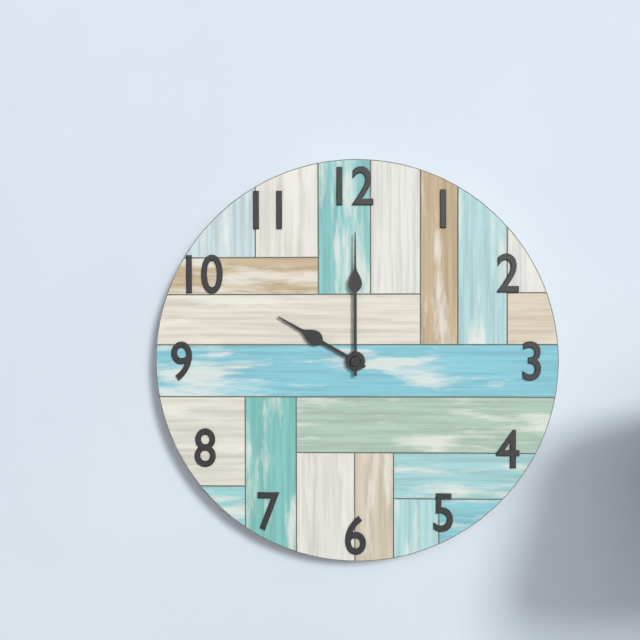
h=10 m=0
